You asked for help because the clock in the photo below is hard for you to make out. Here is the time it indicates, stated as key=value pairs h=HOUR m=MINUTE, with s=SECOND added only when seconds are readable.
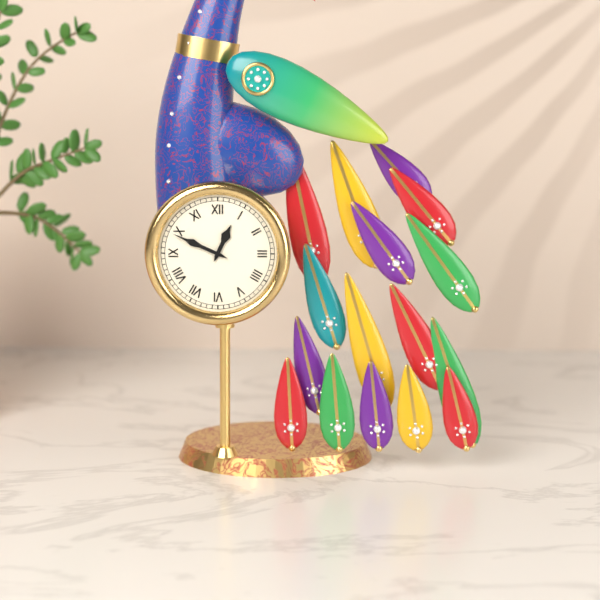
h=12 m=49
